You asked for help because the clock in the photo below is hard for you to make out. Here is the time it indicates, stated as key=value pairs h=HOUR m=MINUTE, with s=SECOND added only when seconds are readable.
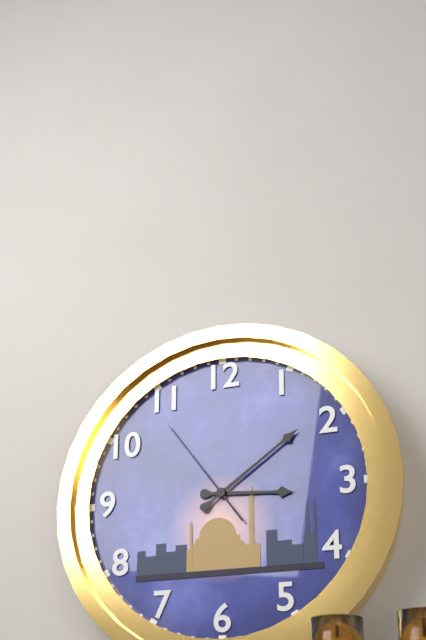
h=3 m=9 s=54
